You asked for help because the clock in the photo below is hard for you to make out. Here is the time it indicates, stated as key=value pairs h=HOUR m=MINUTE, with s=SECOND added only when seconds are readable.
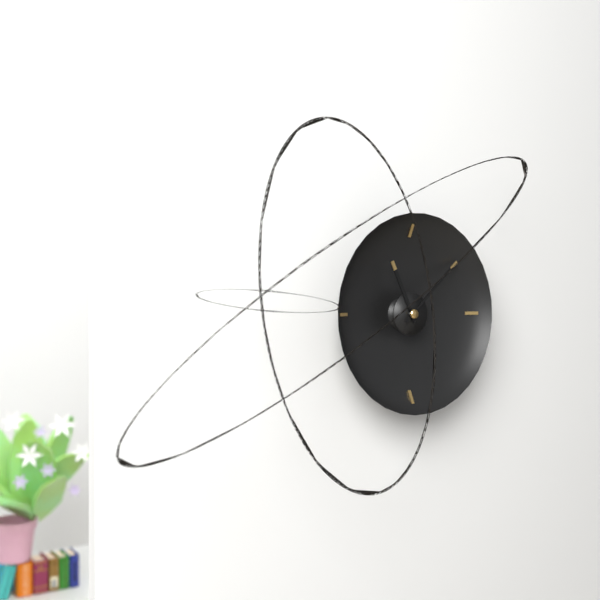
h=11 m=8
